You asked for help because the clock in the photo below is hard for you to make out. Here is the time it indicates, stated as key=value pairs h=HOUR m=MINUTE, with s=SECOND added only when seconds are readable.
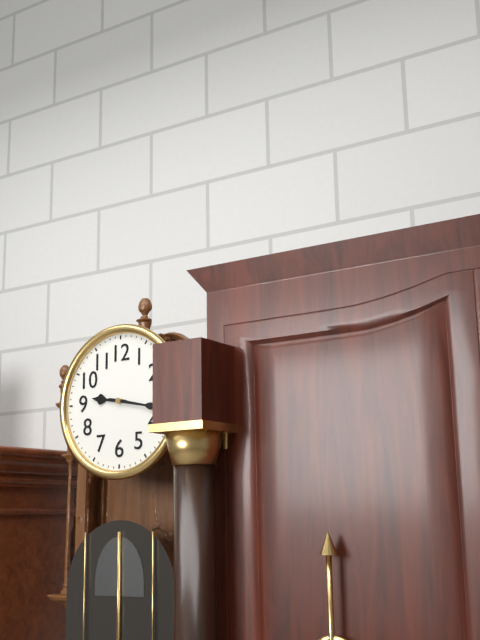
h=9 m=17
